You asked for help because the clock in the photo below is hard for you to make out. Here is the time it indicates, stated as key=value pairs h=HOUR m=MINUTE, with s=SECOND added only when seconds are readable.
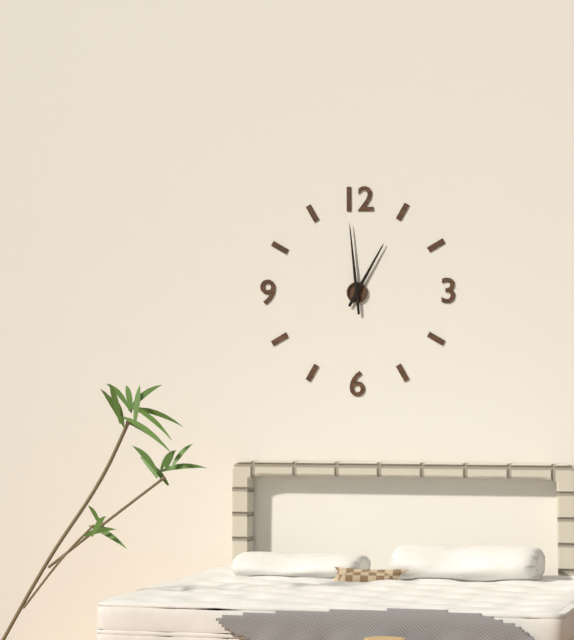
h=12 m=59
